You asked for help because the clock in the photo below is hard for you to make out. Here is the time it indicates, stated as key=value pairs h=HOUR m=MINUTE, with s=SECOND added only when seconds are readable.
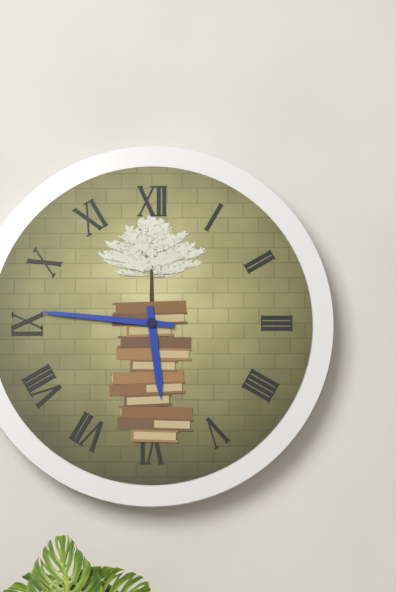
h=5 m=46
